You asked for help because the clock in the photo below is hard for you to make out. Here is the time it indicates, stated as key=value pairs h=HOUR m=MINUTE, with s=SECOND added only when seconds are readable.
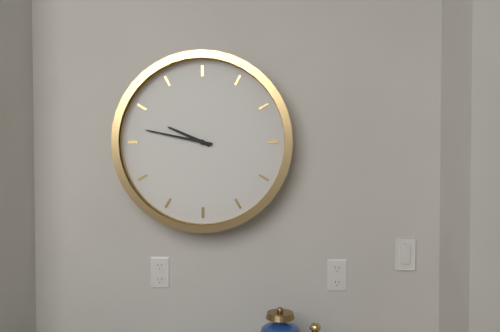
h=9 m=47
